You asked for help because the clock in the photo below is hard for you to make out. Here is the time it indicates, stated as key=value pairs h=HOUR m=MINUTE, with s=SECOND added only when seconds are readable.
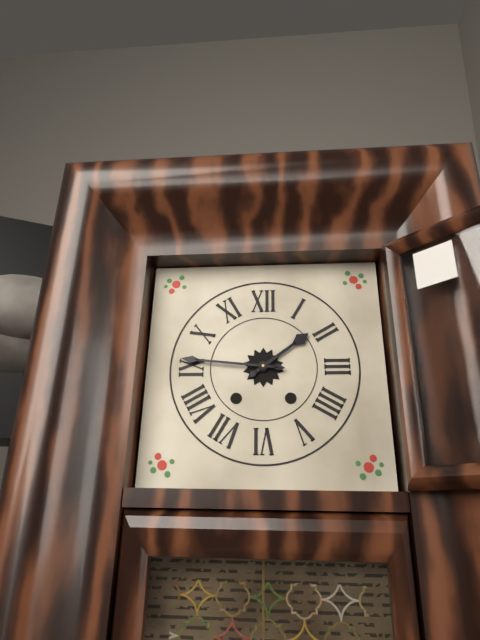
h=1 m=46
